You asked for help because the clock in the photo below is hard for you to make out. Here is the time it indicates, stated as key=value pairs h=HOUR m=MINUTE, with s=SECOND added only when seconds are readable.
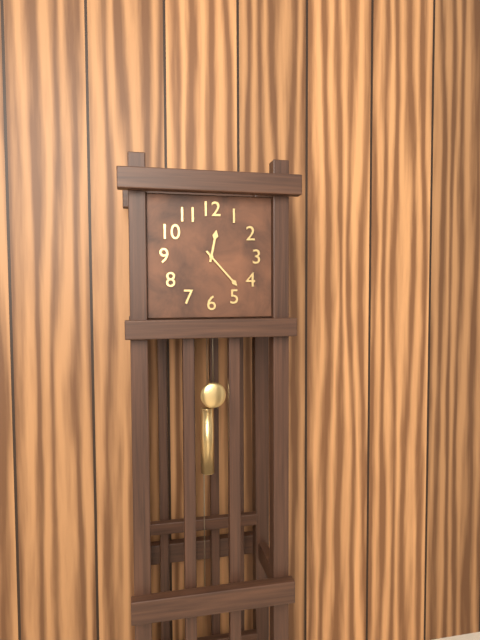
h=12 m=23
